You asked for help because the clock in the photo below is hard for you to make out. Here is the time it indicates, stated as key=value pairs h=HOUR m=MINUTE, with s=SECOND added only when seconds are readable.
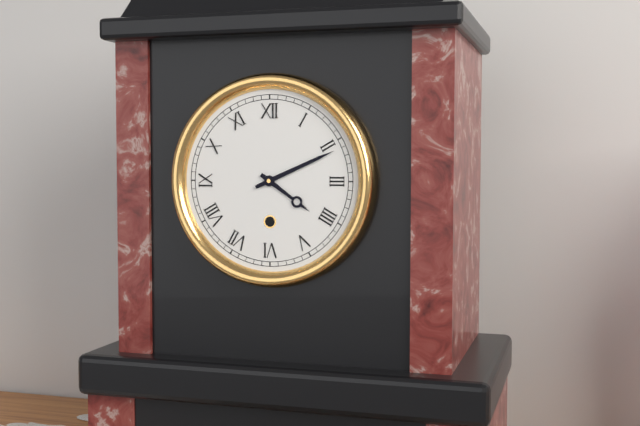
h=4 m=11
